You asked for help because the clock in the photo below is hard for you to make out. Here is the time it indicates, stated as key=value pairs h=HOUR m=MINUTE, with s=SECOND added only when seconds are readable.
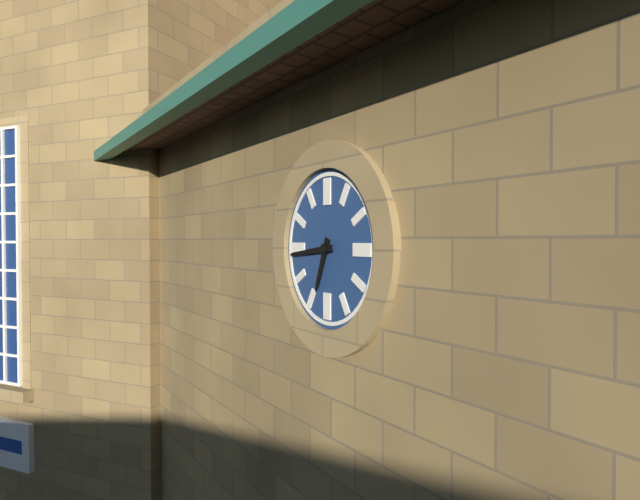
h=6 m=44
